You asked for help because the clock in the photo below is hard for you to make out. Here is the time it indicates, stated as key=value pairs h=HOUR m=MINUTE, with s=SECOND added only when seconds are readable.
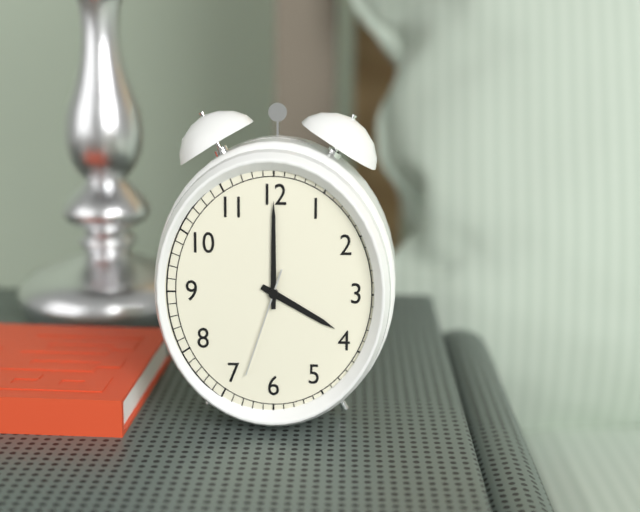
h=4 m=0 s=33
